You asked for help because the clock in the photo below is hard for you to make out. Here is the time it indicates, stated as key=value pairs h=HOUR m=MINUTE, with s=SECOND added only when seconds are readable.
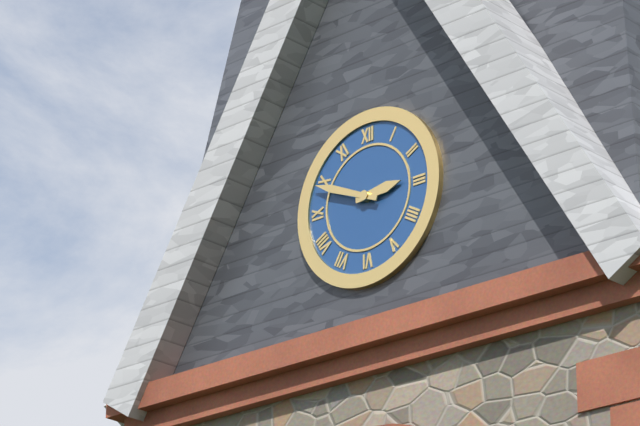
h=2 m=49
